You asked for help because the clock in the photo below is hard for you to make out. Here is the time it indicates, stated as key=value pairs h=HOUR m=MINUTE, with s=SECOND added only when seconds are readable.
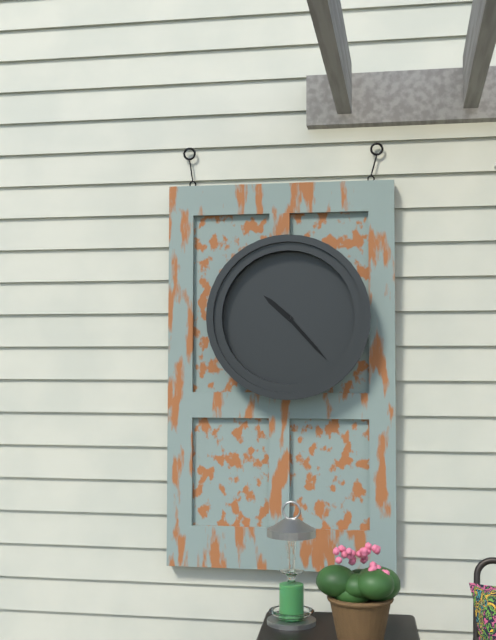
h=10 m=23
